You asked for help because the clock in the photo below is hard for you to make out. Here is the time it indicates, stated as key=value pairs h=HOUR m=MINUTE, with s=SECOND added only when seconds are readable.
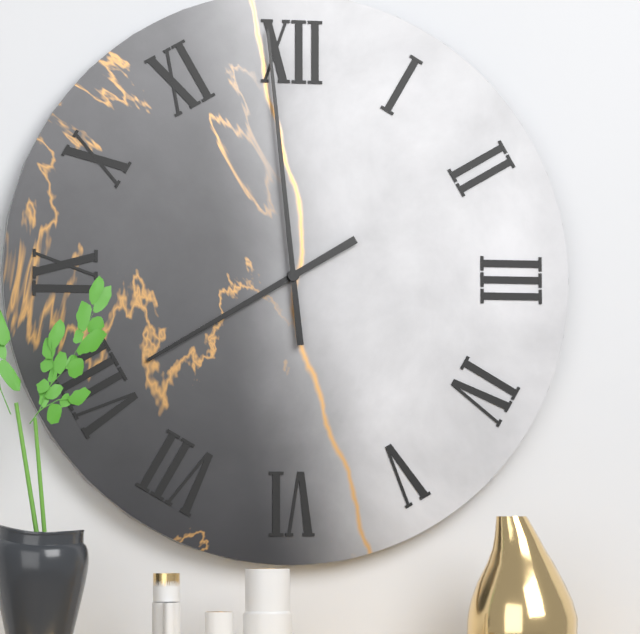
h=7 m=59
